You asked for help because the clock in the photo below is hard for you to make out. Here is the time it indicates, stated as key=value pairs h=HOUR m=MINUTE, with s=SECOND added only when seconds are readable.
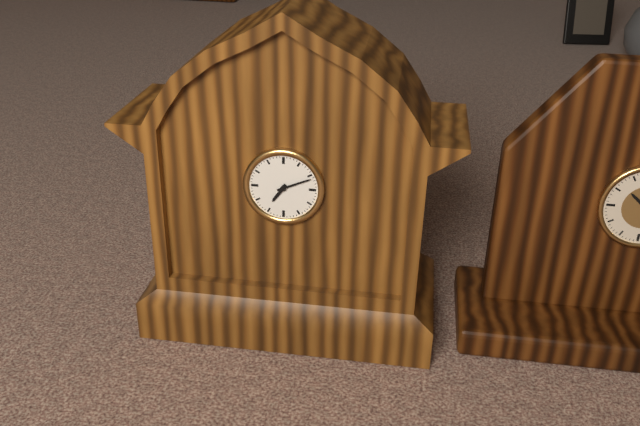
h=7 m=11
